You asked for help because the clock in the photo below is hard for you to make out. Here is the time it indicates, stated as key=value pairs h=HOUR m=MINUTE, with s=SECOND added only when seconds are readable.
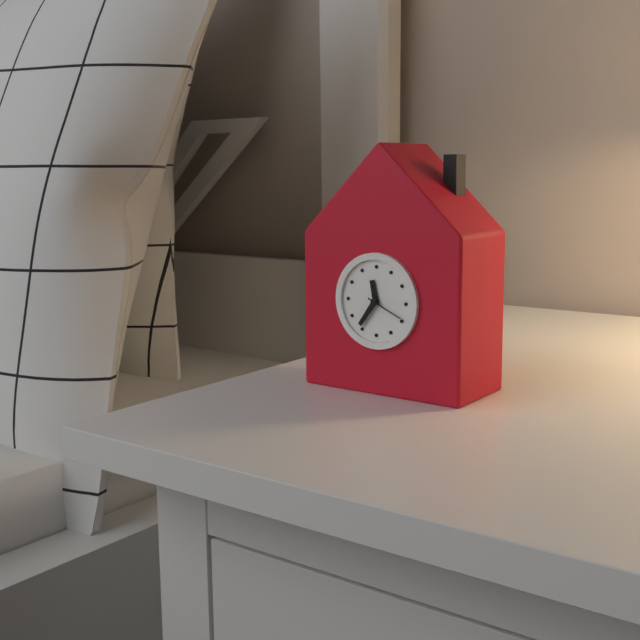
h=11 m=36
